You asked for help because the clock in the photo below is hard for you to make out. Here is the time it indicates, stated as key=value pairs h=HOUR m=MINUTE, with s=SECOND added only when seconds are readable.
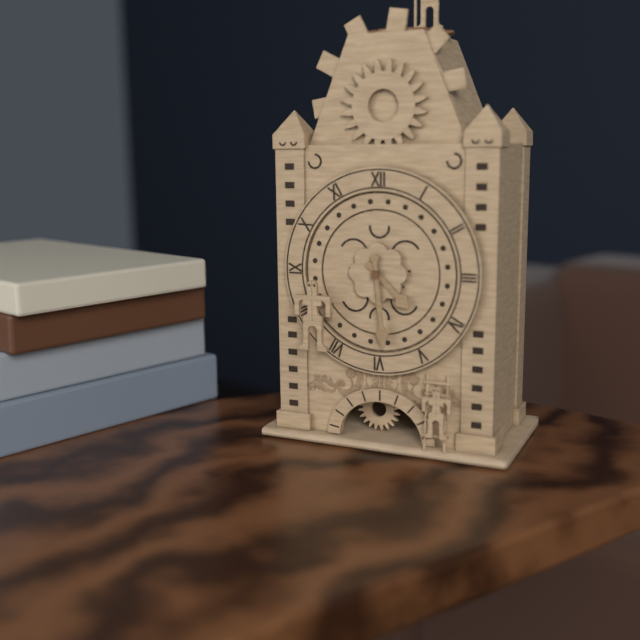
h=4 m=29
